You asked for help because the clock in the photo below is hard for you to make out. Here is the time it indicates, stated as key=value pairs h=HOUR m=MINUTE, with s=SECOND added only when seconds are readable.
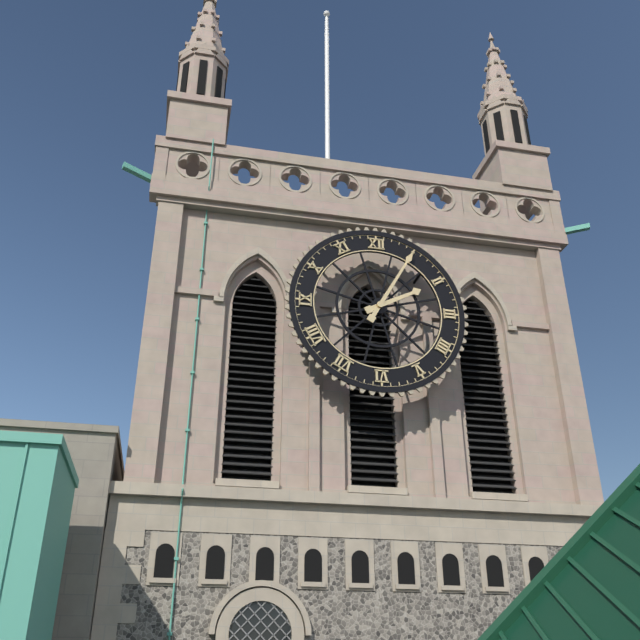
h=2 m=5
